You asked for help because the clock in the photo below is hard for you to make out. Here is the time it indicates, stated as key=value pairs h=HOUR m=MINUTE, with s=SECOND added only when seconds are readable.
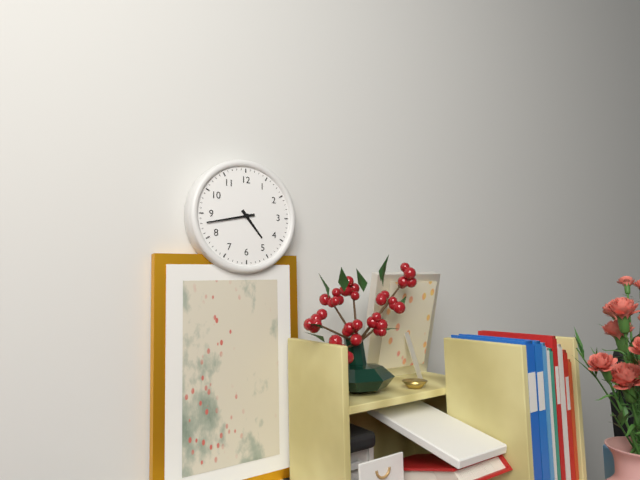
h=4 m=43
